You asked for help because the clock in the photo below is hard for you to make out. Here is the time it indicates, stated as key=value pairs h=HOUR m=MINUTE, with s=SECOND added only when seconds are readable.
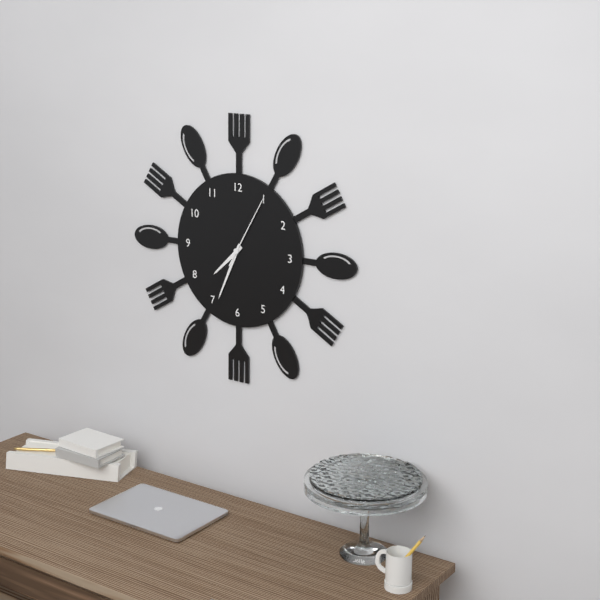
h=7 m=34 s=5
